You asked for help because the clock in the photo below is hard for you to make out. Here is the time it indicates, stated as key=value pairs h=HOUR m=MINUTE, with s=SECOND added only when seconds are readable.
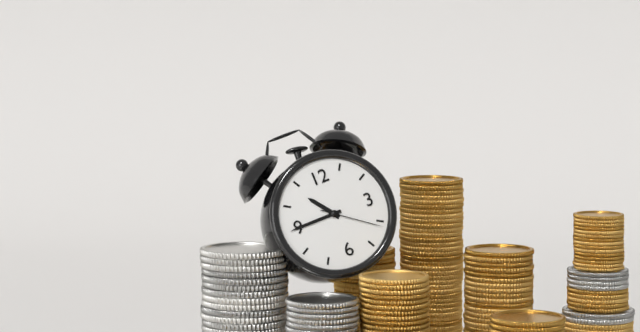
h=10 m=45 s=21
